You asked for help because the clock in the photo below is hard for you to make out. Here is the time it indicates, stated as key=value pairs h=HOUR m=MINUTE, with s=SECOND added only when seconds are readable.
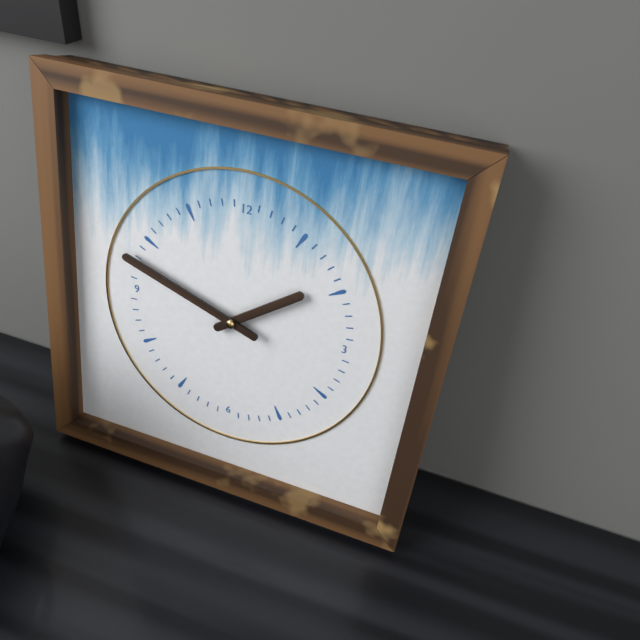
h=1 m=48
